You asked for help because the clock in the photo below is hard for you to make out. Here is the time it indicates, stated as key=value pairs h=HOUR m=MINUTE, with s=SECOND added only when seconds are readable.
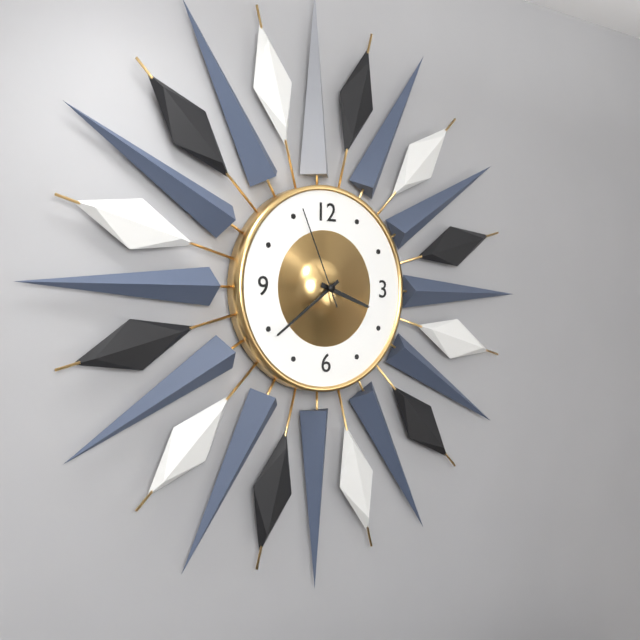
h=3 m=39 s=56
